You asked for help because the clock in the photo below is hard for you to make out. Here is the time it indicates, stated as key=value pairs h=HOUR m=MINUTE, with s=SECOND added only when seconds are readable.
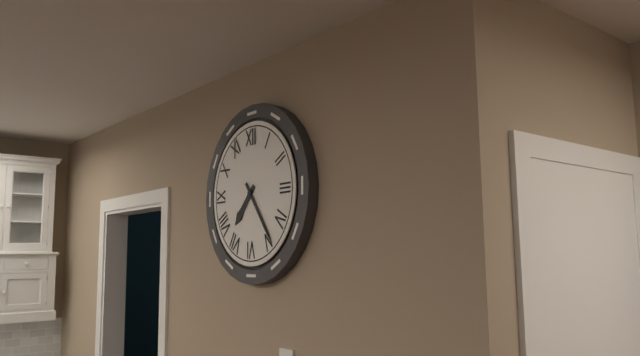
h=7 m=24
